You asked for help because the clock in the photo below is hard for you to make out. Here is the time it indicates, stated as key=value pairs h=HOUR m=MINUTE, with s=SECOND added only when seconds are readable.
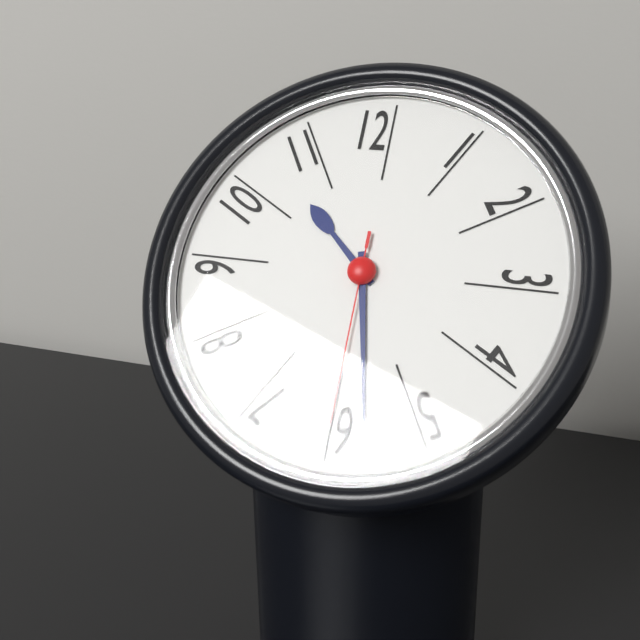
h=10 m=28 s=30
